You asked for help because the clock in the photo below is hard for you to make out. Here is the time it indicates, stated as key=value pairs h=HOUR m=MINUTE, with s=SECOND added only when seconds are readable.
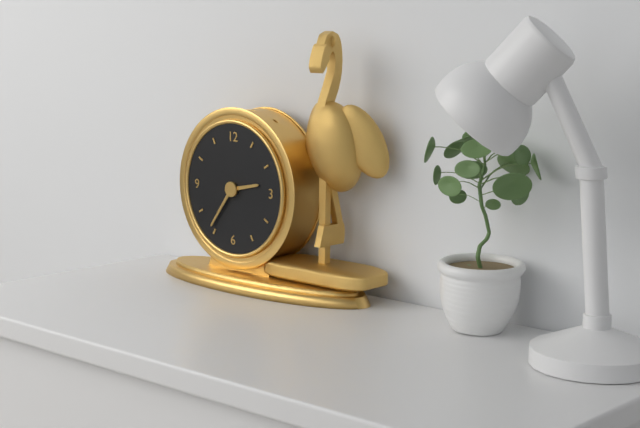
h=2 m=36
